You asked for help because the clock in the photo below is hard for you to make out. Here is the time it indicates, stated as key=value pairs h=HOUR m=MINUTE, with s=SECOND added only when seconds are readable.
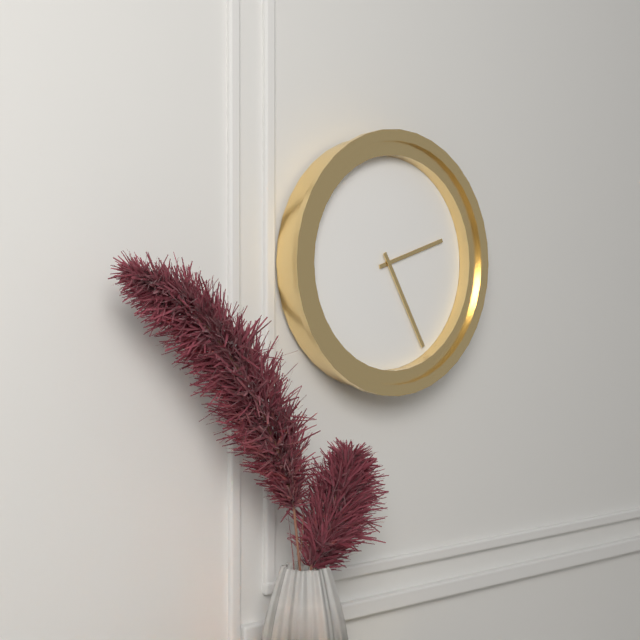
h=2 m=25
